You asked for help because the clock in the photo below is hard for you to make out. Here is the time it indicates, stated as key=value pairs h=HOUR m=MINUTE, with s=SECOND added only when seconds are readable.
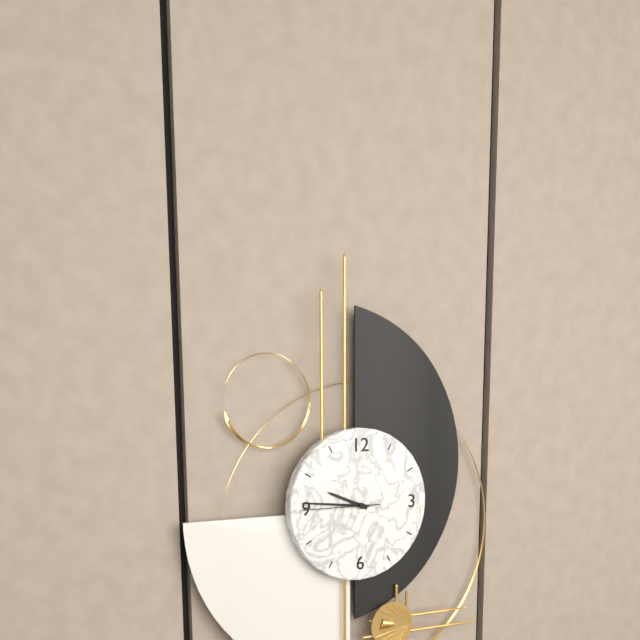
h=9 m=46 s=45
